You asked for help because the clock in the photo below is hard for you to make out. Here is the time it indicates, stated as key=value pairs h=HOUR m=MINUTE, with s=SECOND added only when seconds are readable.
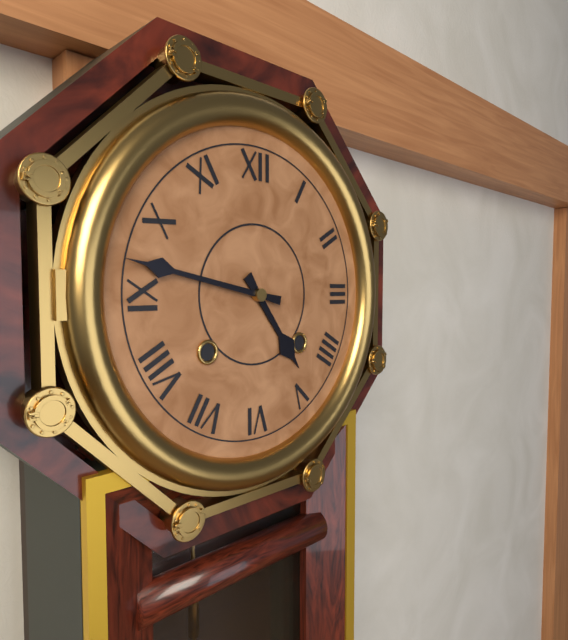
h=4 m=47
